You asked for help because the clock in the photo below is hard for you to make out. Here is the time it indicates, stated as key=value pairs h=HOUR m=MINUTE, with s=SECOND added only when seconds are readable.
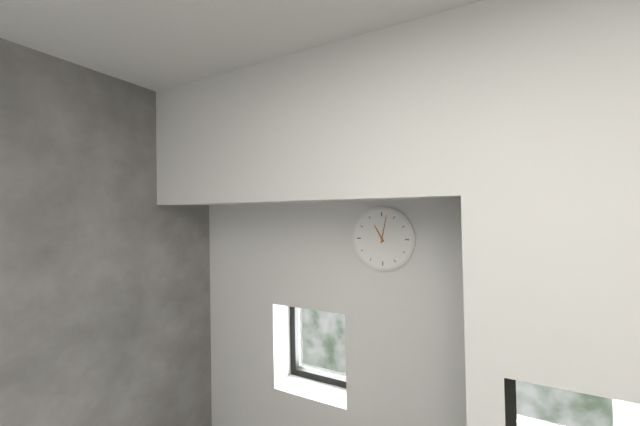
h=11 m=2
